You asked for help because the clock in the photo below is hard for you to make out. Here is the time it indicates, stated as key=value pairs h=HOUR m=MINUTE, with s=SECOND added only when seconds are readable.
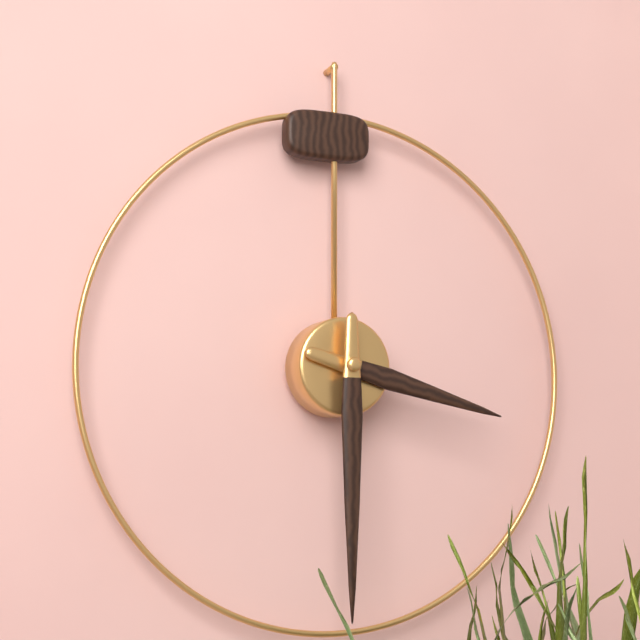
h=3 m=30
